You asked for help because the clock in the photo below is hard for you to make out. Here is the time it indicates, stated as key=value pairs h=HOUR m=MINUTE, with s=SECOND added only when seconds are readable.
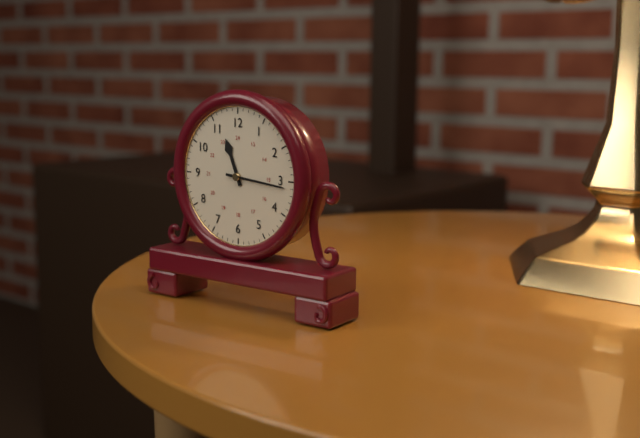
h=11 m=16
